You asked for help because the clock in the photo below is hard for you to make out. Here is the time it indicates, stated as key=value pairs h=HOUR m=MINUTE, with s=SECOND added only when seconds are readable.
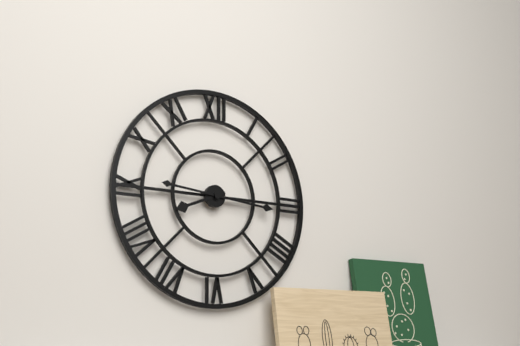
h=8 m=16
